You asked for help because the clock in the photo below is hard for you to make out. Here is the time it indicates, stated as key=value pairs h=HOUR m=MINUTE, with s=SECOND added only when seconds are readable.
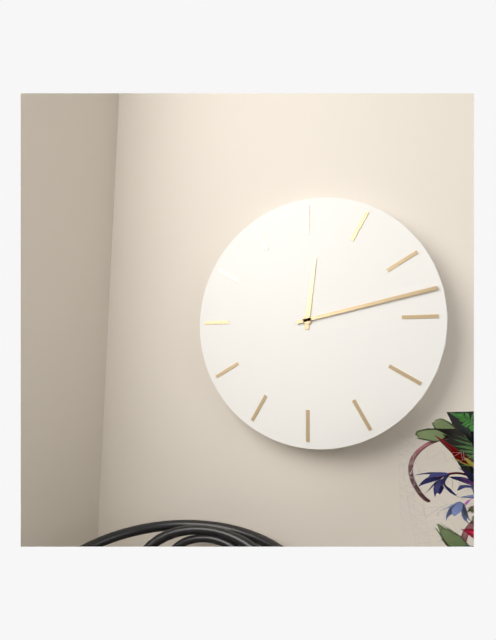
h=12 m=13
